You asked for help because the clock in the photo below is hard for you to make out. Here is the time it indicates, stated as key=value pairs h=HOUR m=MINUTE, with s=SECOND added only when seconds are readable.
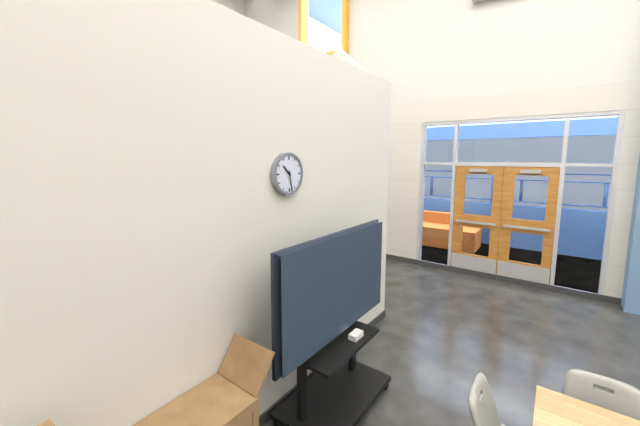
h=10 m=28
